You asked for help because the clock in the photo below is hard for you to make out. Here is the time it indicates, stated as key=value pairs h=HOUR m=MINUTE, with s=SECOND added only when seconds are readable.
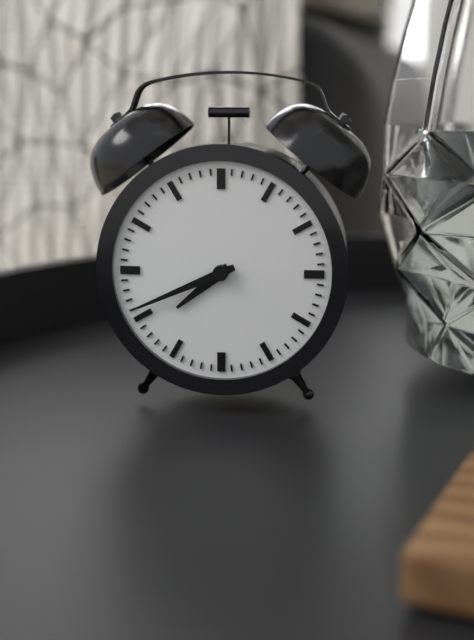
h=7 m=41
